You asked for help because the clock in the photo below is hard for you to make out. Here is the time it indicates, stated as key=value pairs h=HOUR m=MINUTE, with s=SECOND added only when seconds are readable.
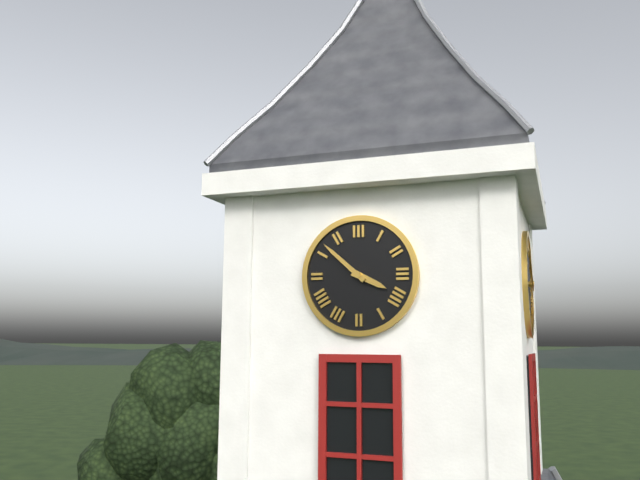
h=3 m=52
